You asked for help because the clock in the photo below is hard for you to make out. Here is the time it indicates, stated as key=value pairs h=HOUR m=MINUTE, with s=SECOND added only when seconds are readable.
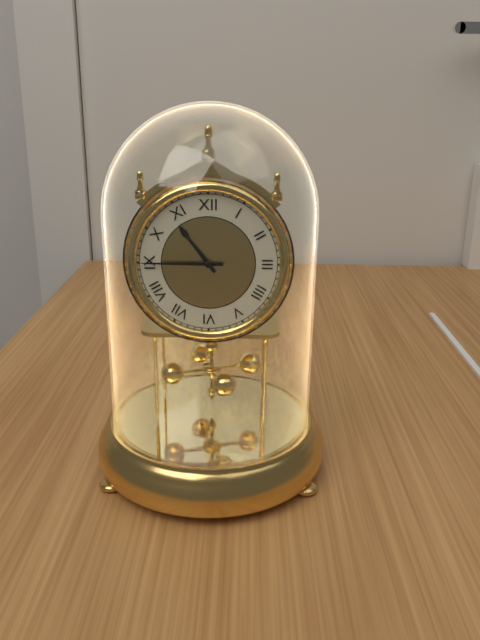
h=10 m=45
